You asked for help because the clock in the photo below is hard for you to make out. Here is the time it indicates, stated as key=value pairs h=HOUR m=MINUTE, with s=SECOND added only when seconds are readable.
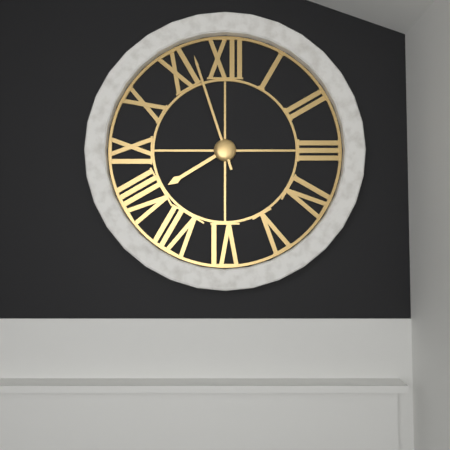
h=7 m=57
